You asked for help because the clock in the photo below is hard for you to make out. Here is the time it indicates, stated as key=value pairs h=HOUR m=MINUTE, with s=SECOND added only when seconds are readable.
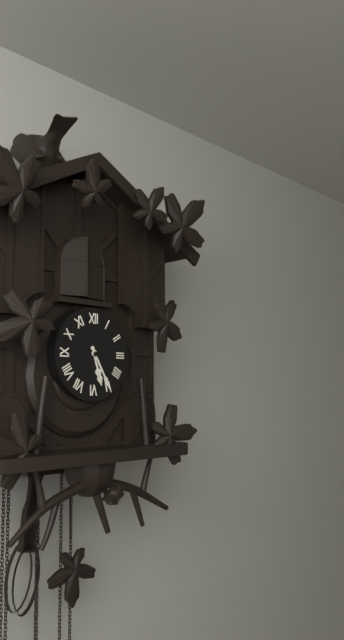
h=5 m=25
